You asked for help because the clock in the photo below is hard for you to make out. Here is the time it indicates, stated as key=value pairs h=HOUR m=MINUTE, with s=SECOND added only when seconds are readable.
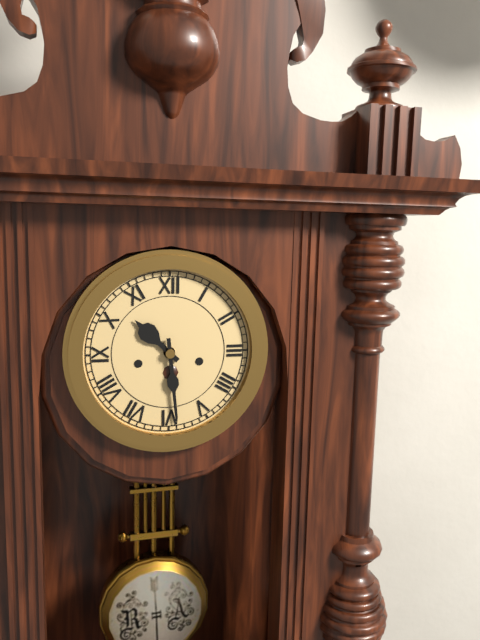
h=10 m=29
